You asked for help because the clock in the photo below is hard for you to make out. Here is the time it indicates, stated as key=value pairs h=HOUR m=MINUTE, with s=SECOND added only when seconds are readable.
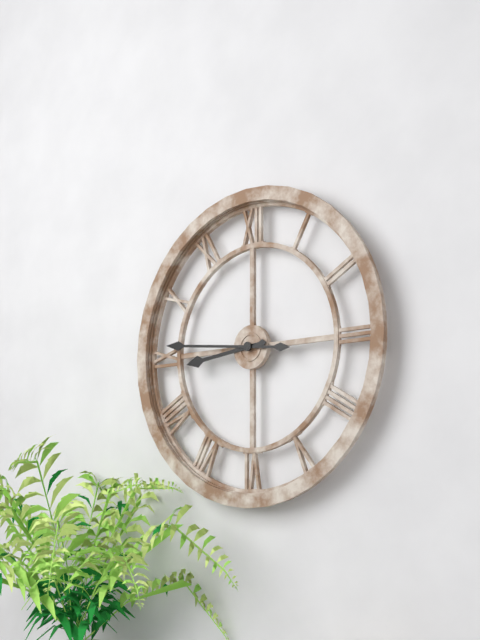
h=8 m=46
